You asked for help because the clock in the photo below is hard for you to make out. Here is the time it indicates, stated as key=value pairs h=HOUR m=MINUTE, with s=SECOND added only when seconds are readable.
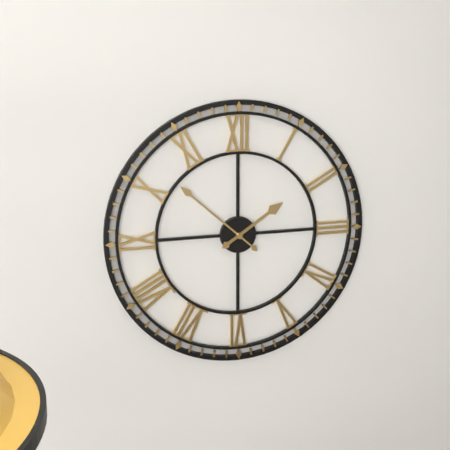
h=1 m=52
